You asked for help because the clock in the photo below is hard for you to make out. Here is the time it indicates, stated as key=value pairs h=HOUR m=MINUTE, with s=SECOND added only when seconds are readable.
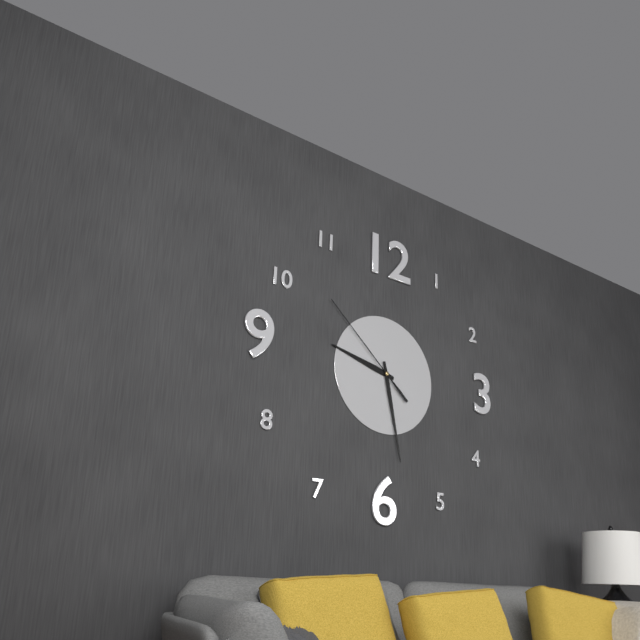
h=9 m=28 s=52
